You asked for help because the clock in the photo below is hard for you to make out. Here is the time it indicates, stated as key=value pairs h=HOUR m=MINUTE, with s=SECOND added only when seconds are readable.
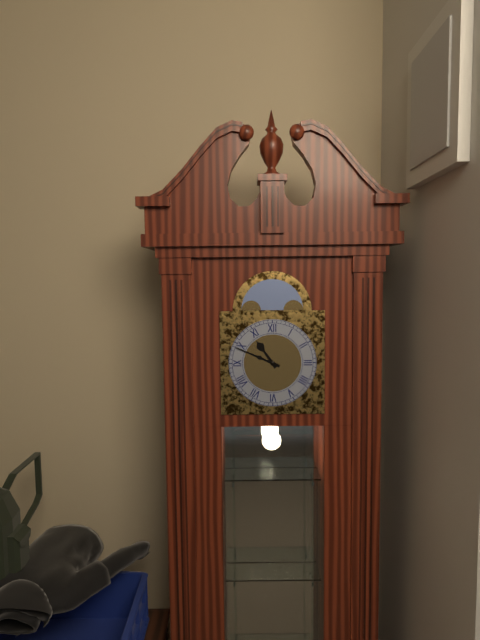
h=10 m=49
